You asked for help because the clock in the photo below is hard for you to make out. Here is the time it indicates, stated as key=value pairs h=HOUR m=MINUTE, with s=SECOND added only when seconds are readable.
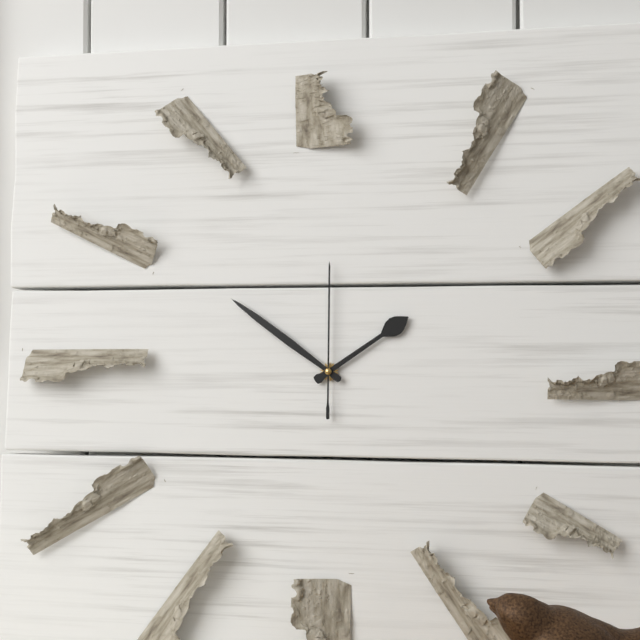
h=1 m=51 s=0
